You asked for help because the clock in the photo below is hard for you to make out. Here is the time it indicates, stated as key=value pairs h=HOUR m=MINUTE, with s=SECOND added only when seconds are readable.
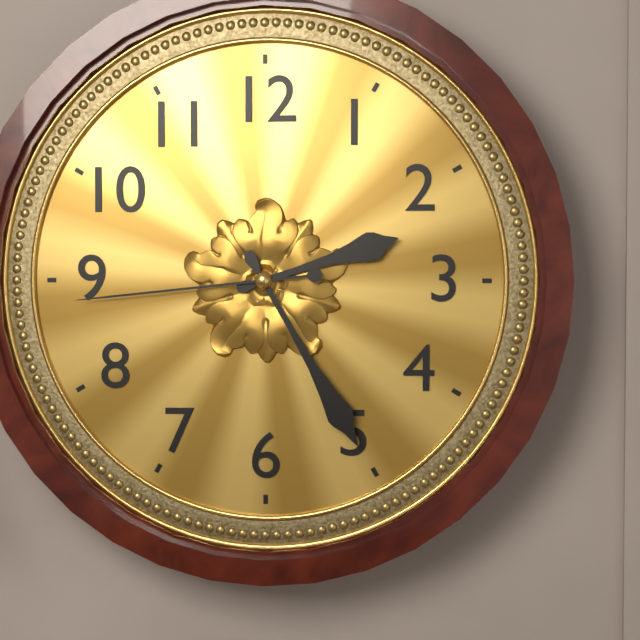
h=2 m=25 s=44
